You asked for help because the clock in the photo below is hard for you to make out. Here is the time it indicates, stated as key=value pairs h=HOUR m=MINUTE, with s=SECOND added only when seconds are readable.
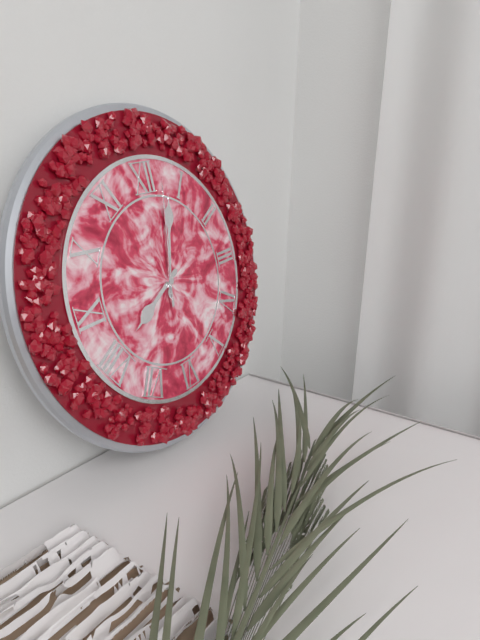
h=8 m=3 s=2
